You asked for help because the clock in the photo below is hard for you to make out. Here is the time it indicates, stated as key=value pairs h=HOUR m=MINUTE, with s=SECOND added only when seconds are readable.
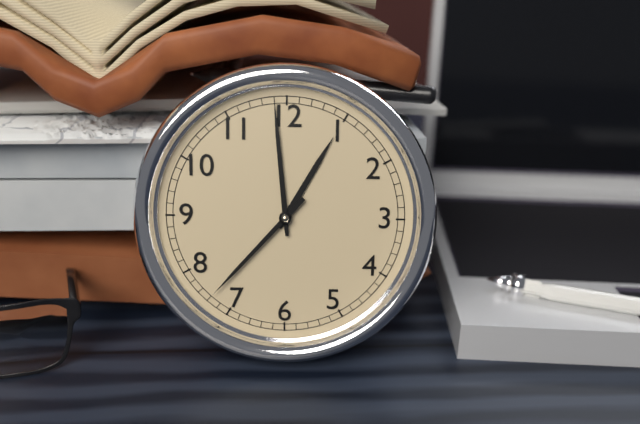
h=12 m=59 s=37
